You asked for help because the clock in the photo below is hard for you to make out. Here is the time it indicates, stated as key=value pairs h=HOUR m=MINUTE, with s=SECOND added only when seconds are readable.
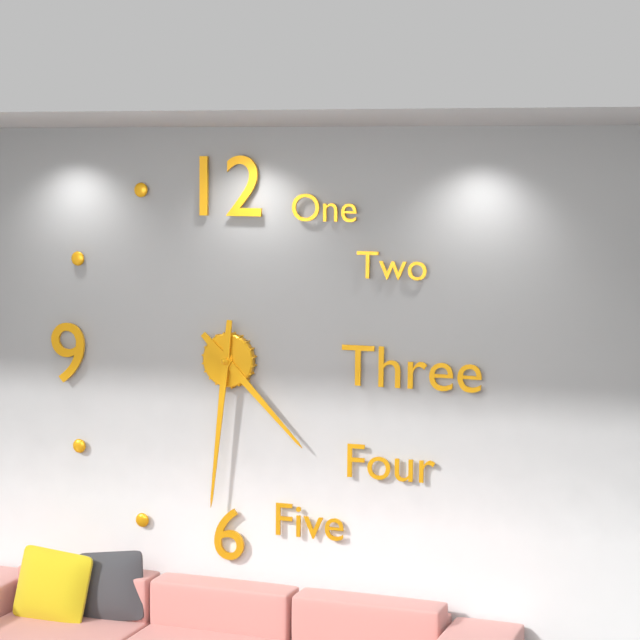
h=4 m=31
